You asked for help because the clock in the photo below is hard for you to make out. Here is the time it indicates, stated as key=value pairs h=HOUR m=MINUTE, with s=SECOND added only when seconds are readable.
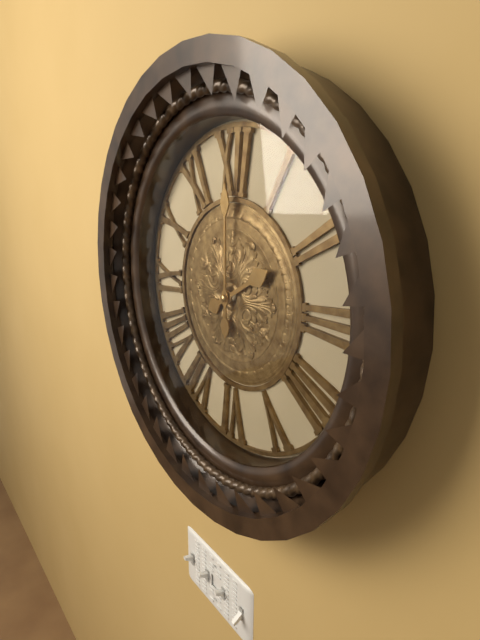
h=2 m=0
